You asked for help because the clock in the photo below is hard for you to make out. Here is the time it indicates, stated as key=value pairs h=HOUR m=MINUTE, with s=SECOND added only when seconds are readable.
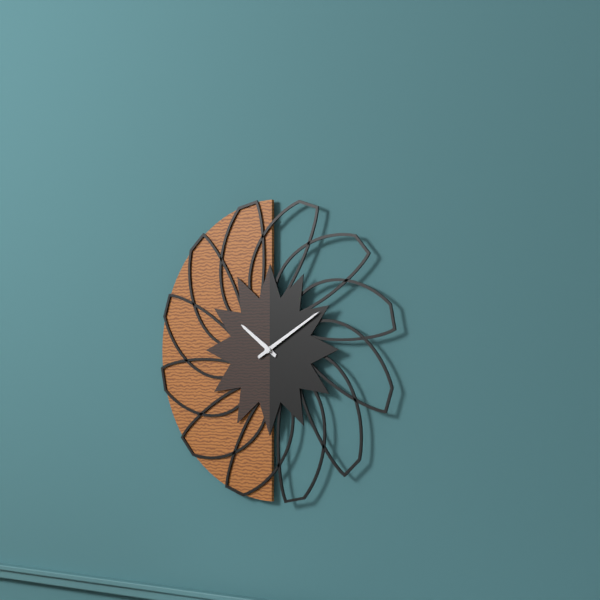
h=10 m=10
